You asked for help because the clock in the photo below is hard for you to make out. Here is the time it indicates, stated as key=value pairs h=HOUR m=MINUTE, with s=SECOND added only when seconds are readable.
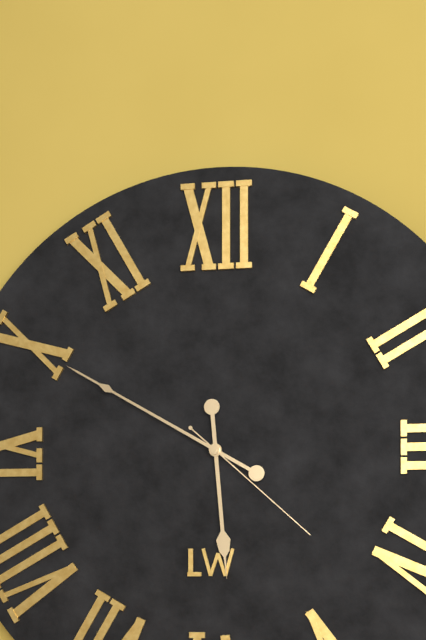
h=5 m=50 s=22
